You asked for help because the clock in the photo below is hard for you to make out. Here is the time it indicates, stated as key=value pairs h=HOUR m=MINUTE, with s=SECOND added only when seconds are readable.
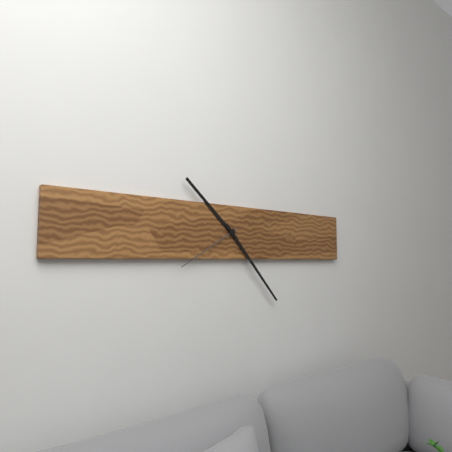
h=10 m=23 s=40
